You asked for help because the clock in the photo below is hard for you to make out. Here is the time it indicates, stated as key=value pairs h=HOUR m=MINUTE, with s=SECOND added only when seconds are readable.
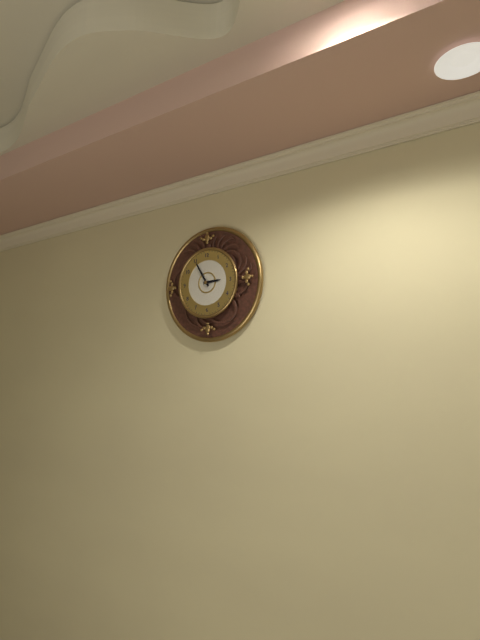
h=2 m=55
